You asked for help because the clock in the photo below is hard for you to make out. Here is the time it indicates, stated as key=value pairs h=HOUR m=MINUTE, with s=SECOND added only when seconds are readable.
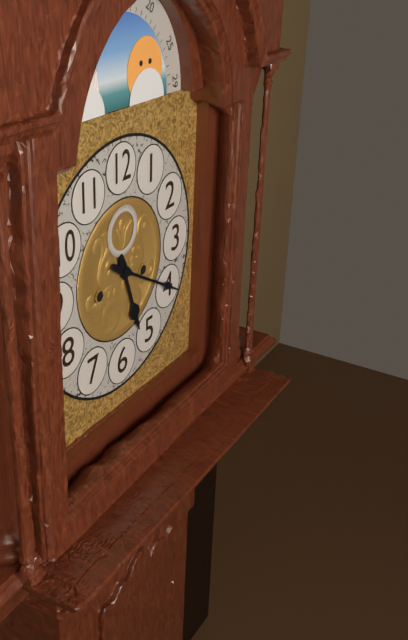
h=5 m=20
